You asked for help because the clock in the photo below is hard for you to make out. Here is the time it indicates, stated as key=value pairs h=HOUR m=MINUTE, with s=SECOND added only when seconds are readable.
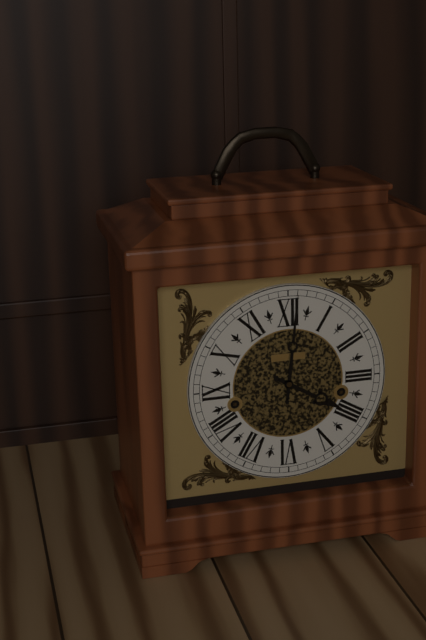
h=4 m=1
